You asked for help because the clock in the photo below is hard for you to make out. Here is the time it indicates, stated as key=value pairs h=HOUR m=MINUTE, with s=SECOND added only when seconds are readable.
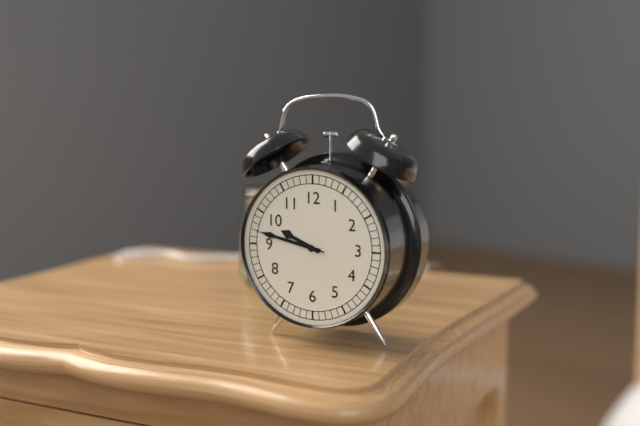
h=9 m=47 s=47
